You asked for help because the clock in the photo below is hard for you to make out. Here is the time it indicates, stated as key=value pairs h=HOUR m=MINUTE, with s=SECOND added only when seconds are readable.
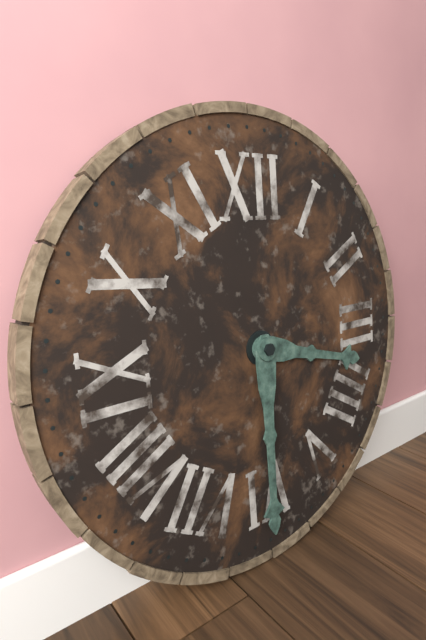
h=3 m=30
